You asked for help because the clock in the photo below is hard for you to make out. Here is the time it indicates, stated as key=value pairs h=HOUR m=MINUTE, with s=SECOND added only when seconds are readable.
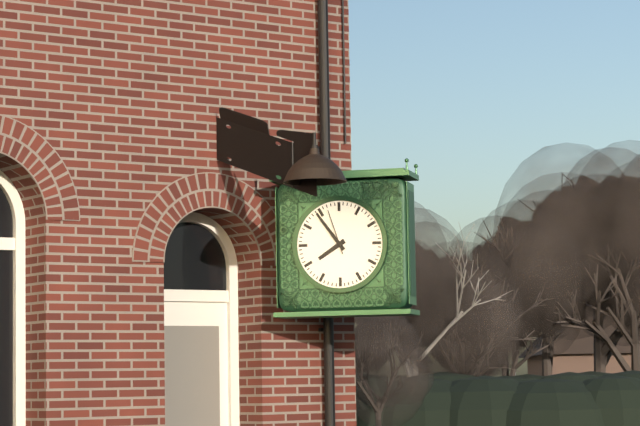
h=7 m=54
